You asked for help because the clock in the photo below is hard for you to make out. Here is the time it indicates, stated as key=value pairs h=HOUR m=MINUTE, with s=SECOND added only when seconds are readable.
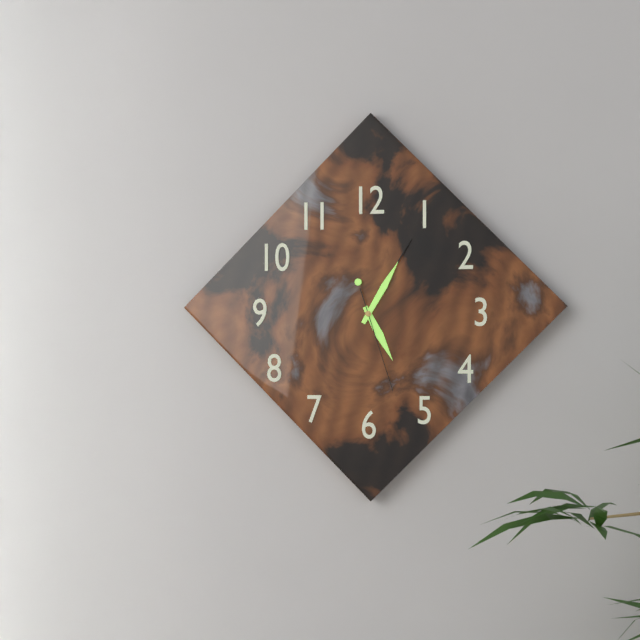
h=5 m=5 s=27
